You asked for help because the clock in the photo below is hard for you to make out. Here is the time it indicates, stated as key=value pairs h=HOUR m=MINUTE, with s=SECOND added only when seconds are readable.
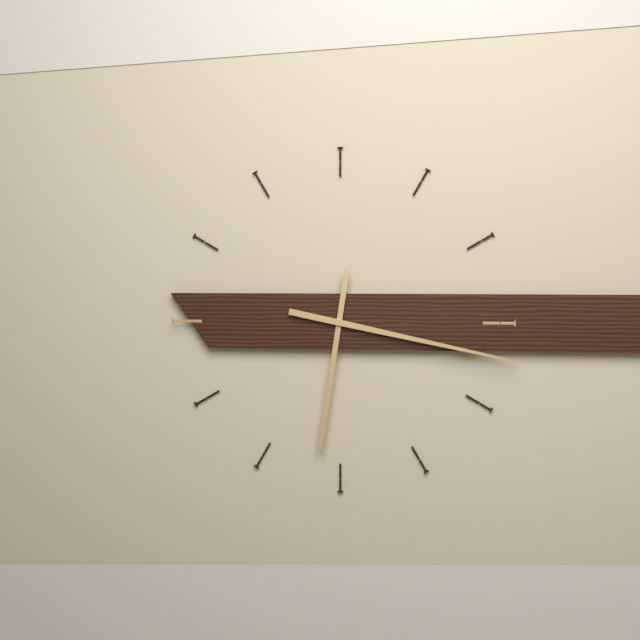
h=6 m=17
